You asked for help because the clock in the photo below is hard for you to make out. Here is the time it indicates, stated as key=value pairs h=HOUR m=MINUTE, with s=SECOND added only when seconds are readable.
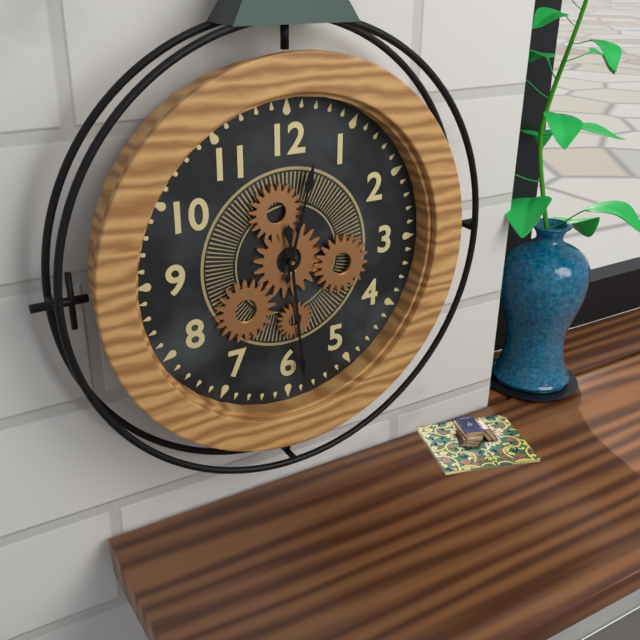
h=12 m=29
